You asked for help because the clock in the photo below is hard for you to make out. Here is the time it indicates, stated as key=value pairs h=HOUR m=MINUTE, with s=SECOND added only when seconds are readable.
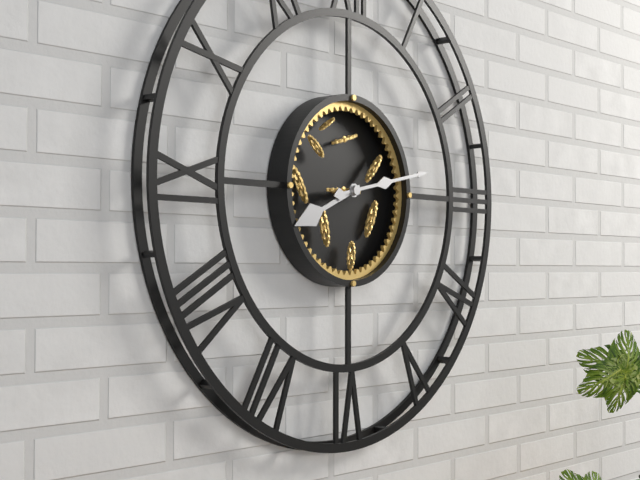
h=8 m=13
